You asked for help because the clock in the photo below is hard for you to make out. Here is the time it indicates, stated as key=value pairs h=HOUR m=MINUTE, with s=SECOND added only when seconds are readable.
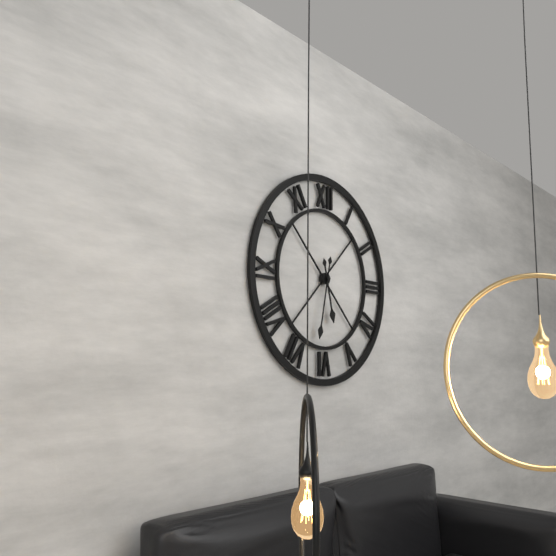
h=5 m=32
